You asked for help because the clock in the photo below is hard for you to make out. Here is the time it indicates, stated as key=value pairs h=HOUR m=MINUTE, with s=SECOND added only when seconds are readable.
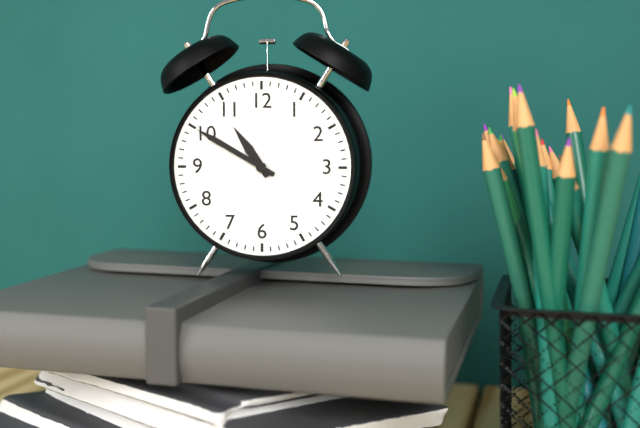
h=10 m=50
